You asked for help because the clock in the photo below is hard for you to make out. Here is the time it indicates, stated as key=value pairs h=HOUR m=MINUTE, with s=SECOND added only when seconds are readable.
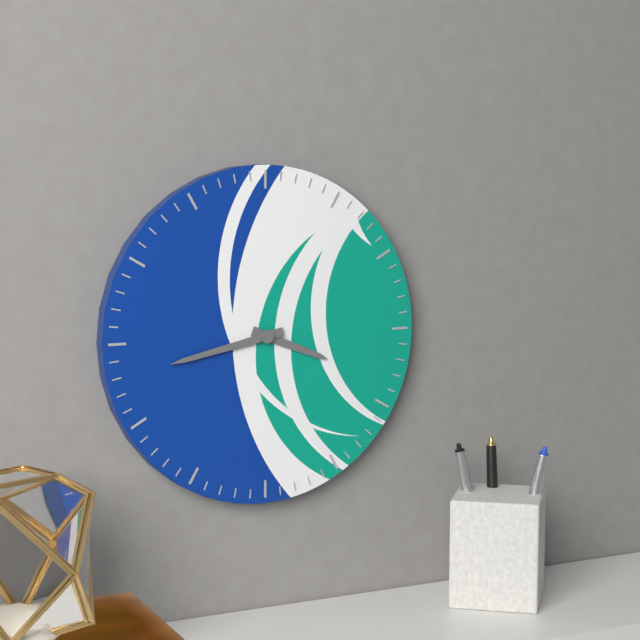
h=3 m=43
